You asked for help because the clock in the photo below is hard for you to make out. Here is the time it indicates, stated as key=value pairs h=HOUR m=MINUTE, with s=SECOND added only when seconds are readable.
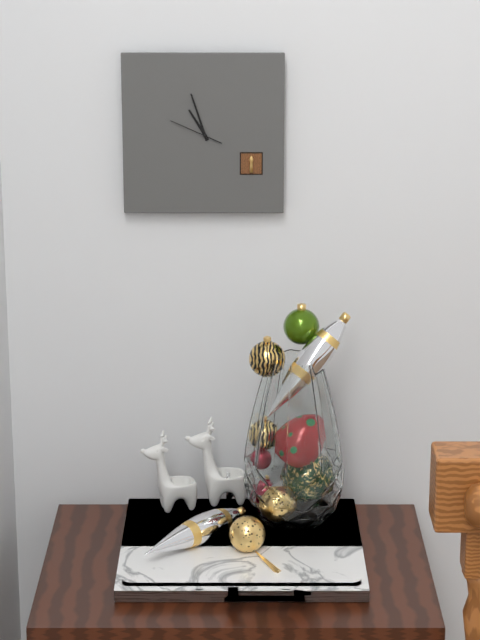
h=10 m=57
